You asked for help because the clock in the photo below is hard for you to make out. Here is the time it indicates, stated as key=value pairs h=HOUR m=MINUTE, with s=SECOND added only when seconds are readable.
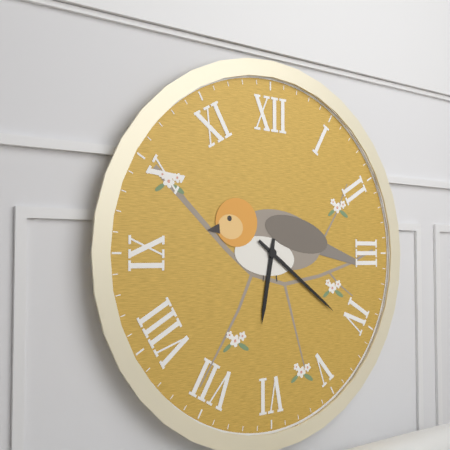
h=6 m=21
